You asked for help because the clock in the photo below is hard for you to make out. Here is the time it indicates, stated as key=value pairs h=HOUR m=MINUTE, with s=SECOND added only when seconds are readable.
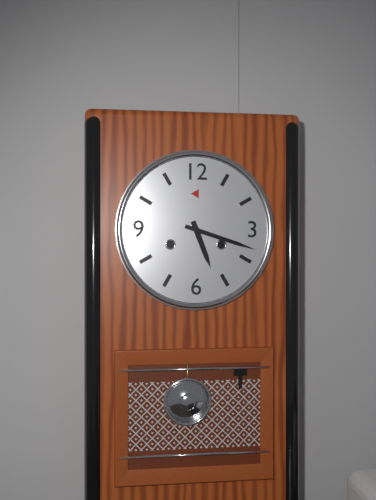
h=5 m=18
